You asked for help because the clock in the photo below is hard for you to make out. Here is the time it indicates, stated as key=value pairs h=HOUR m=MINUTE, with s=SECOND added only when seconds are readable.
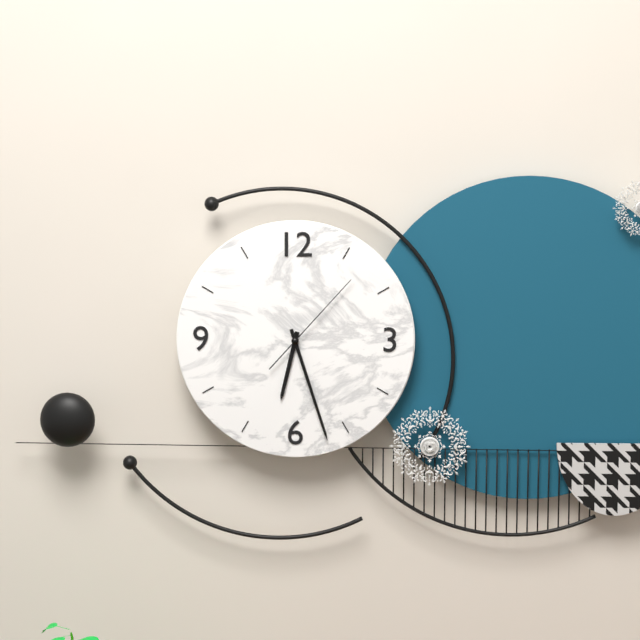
h=6 m=27 s=7
